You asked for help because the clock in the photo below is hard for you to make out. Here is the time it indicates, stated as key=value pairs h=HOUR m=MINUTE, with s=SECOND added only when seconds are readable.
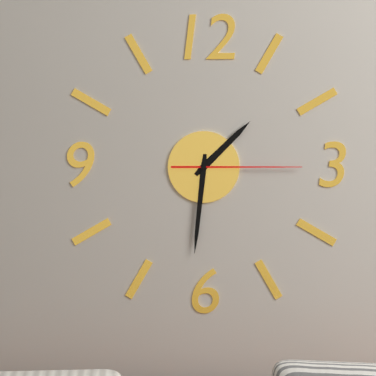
h=1 m=31 s=15
